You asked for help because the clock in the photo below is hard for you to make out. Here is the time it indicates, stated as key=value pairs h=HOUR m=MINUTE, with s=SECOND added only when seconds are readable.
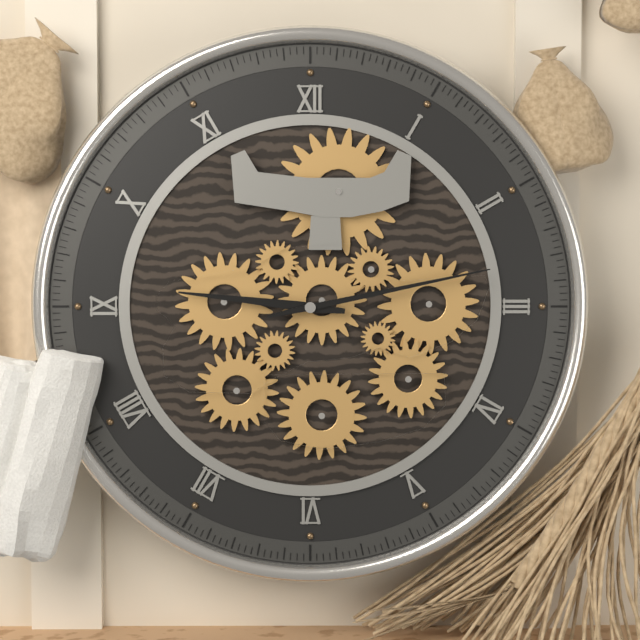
h=9 m=13
